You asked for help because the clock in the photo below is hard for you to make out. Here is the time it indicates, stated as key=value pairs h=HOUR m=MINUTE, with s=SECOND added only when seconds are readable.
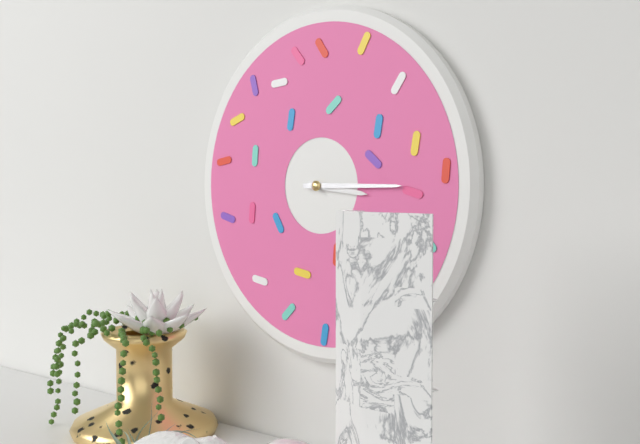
h=3 m=15
